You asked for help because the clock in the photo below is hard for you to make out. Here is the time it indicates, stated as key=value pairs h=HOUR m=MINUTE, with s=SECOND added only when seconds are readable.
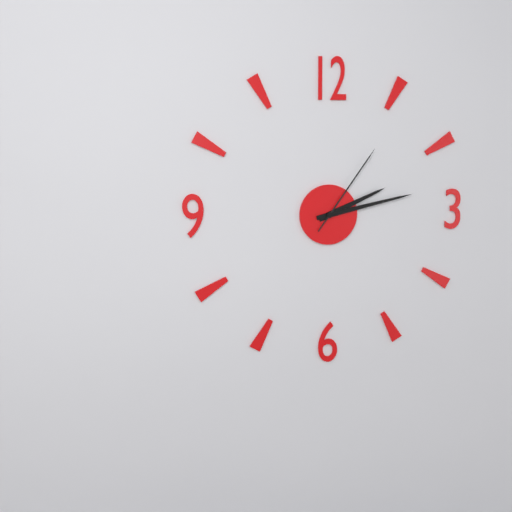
h=2 m=13 s=6
